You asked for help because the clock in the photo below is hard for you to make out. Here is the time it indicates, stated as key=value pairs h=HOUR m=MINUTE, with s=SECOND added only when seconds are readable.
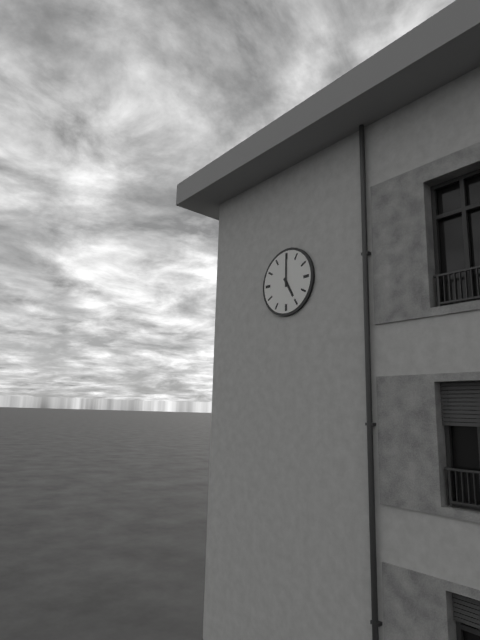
h=5 m=0
